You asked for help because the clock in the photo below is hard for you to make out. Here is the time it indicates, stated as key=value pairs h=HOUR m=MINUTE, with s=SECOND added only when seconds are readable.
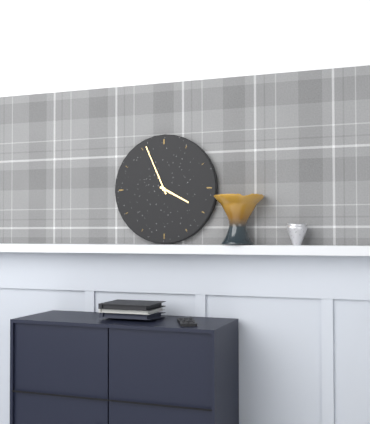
h=3 m=56
